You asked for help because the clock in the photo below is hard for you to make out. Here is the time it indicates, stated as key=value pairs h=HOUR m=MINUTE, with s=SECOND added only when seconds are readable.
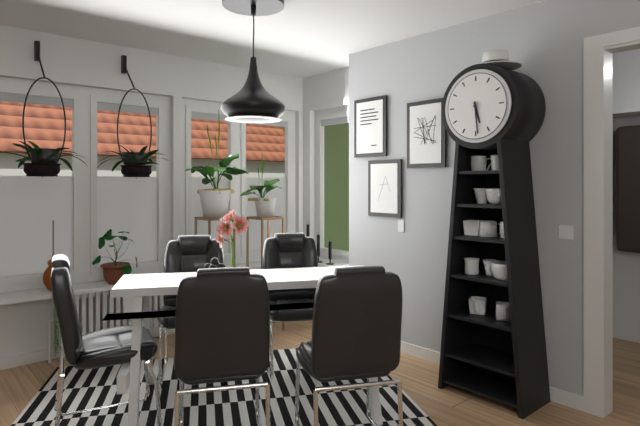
h=5 m=29
